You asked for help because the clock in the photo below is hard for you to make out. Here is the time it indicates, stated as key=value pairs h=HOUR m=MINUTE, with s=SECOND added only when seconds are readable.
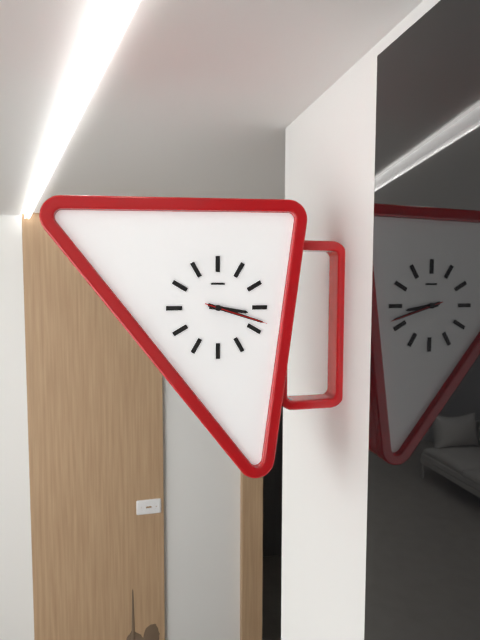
h=3 m=18 s=18
